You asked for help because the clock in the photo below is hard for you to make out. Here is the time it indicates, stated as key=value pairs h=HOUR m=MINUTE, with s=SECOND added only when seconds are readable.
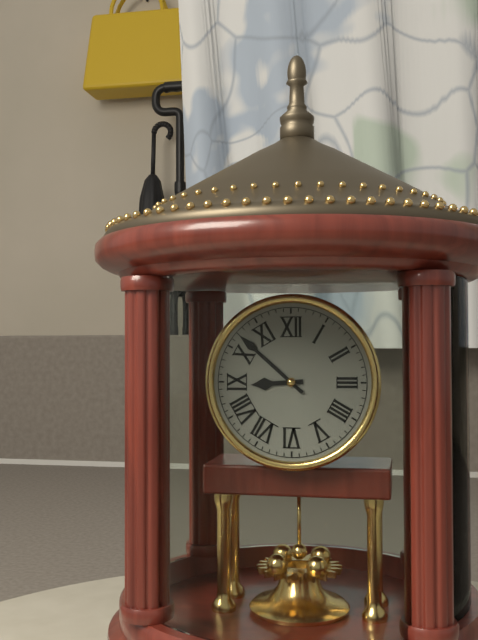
h=8 m=52
